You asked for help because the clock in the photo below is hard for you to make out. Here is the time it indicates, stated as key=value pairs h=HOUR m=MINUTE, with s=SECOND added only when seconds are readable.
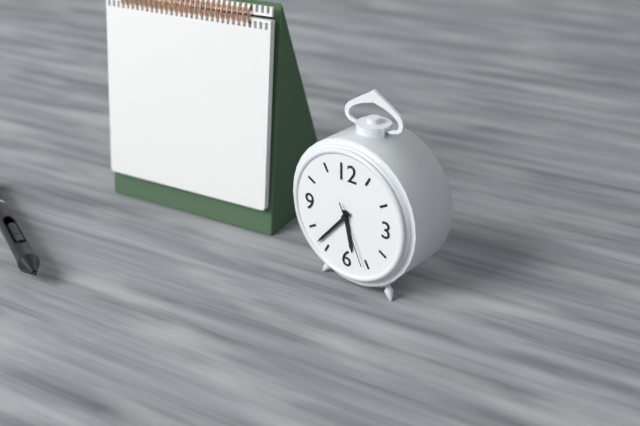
h=5 m=37 s=26
